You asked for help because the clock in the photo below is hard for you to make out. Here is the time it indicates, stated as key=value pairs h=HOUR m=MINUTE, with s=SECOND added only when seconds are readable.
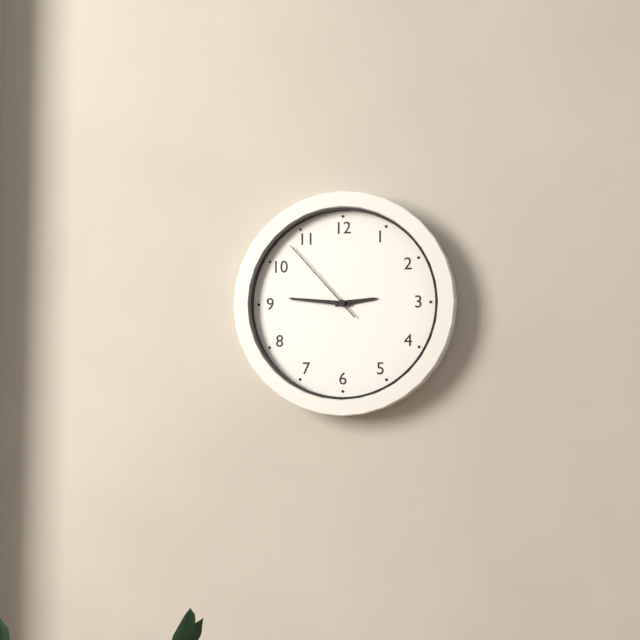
h=2 m=46 s=53
